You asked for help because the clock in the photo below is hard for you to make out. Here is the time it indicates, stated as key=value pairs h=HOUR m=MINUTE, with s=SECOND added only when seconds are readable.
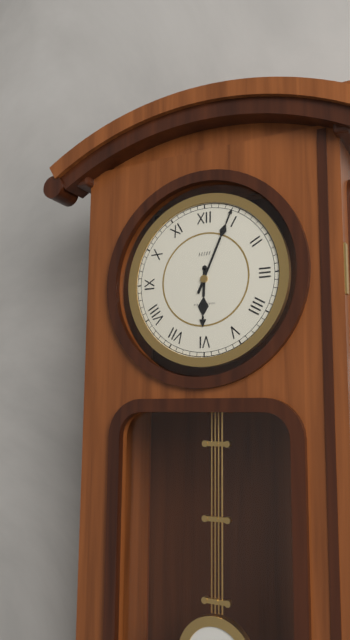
h=6 m=4
